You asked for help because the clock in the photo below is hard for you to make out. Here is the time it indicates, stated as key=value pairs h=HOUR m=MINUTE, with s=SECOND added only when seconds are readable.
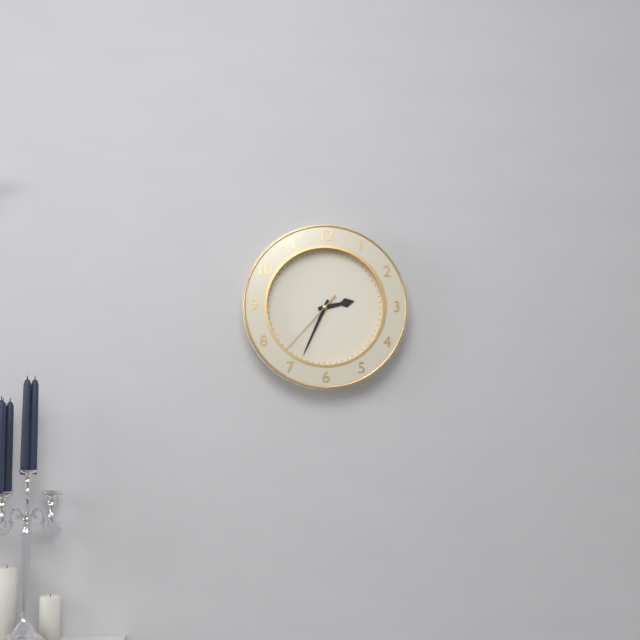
h=2 m=34 s=37
